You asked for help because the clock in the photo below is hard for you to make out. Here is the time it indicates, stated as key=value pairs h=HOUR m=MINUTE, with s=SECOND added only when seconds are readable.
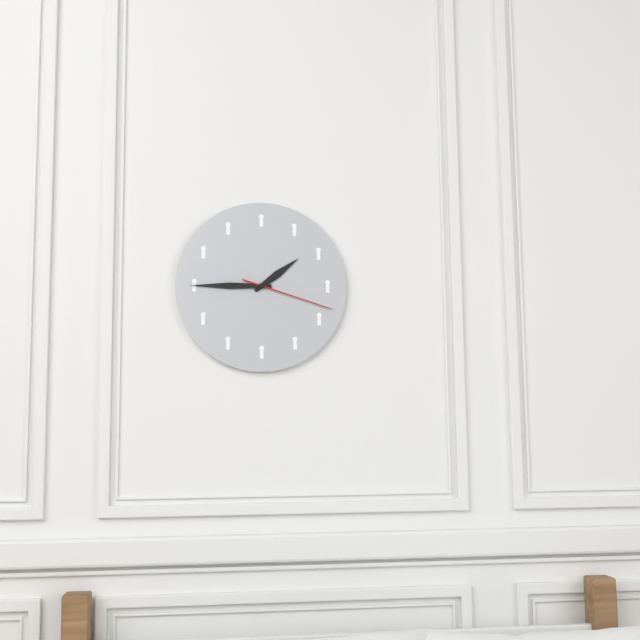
h=1 m=45 s=18
